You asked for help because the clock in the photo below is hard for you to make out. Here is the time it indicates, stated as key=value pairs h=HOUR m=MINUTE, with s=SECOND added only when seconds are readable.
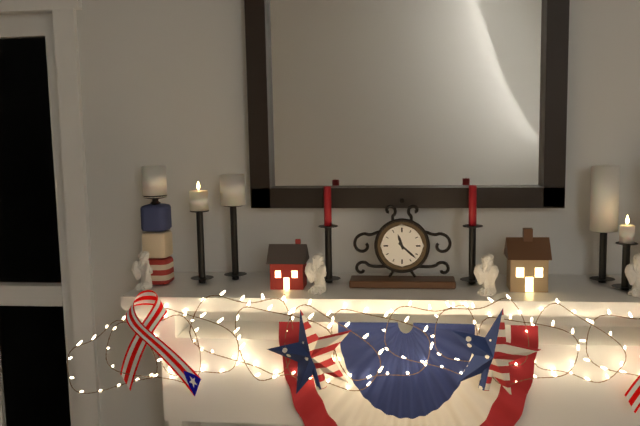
h=11 m=22
